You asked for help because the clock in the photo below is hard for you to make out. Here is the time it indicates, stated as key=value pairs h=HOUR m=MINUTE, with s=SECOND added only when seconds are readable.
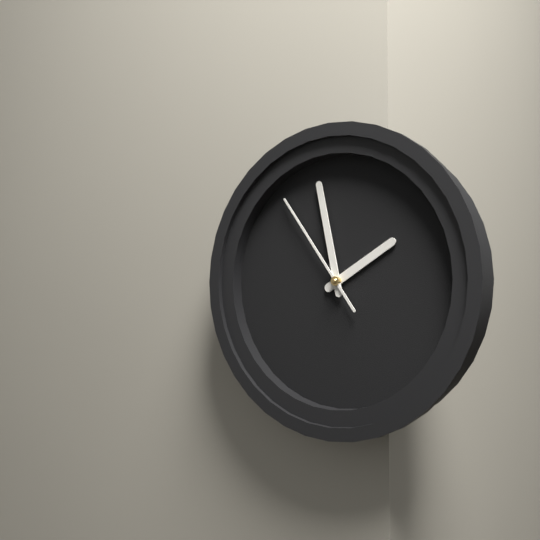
h=1 m=58 s=54
